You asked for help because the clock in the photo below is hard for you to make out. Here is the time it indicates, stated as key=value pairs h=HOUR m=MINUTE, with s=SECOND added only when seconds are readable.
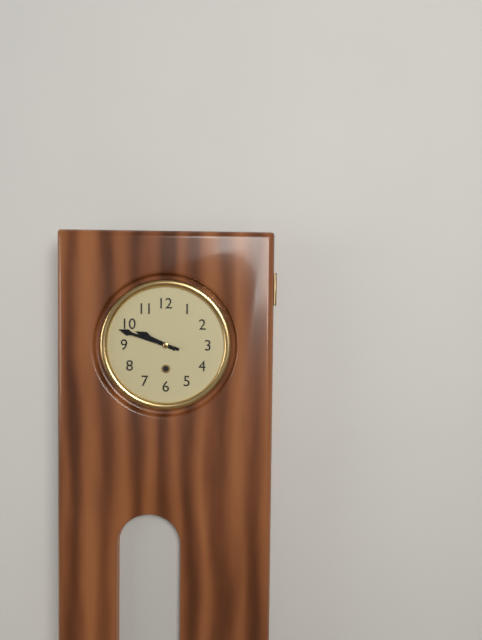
h=9 m=48
